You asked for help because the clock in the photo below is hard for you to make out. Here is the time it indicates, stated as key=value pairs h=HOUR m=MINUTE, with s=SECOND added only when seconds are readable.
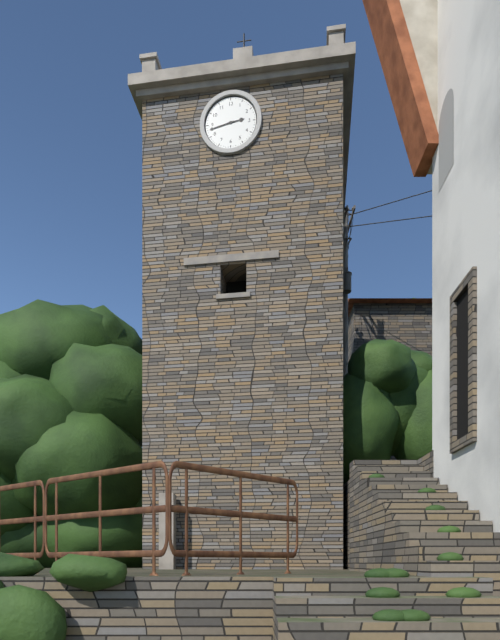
h=2 m=43
